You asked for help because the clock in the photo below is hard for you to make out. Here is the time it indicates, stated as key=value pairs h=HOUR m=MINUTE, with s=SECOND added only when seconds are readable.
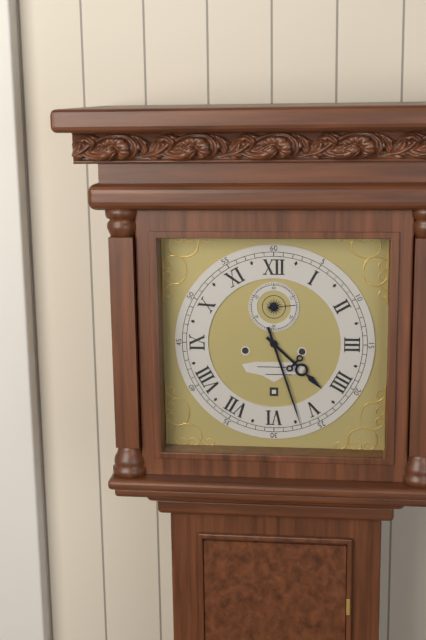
h=4 m=27
